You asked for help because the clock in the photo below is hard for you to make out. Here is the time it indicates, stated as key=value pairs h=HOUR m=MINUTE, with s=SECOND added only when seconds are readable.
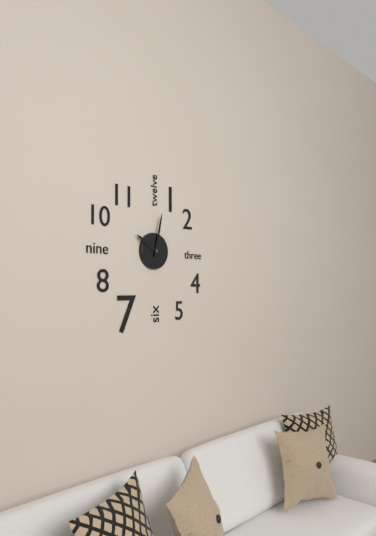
h=10 m=2
